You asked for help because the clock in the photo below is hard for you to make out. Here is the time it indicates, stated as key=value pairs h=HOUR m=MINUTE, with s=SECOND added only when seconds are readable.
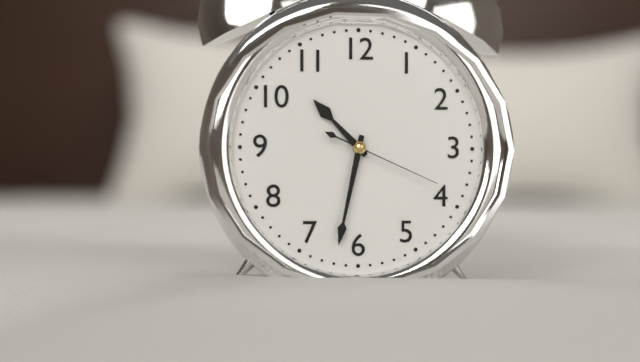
h=10 m=32 s=19
